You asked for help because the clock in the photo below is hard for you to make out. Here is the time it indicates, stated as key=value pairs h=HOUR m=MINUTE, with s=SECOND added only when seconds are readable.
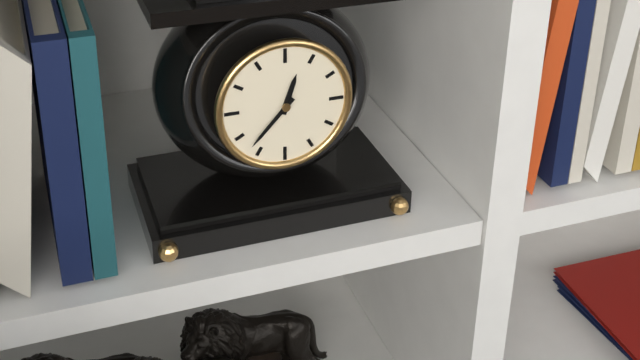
h=12 m=37
